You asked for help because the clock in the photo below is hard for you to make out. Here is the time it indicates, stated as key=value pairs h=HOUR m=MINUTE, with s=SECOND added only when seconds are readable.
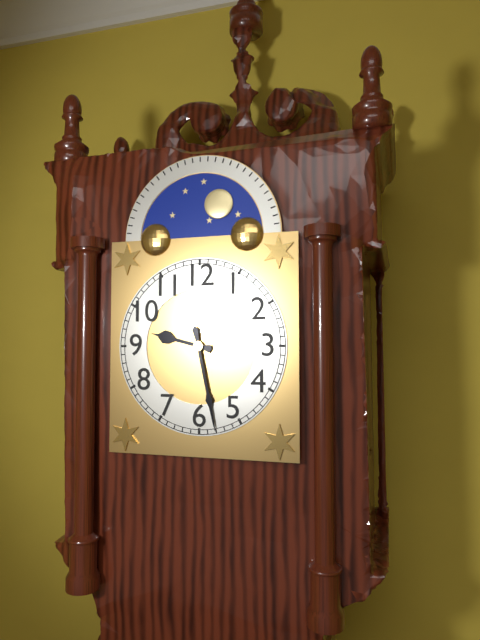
h=9 m=28
